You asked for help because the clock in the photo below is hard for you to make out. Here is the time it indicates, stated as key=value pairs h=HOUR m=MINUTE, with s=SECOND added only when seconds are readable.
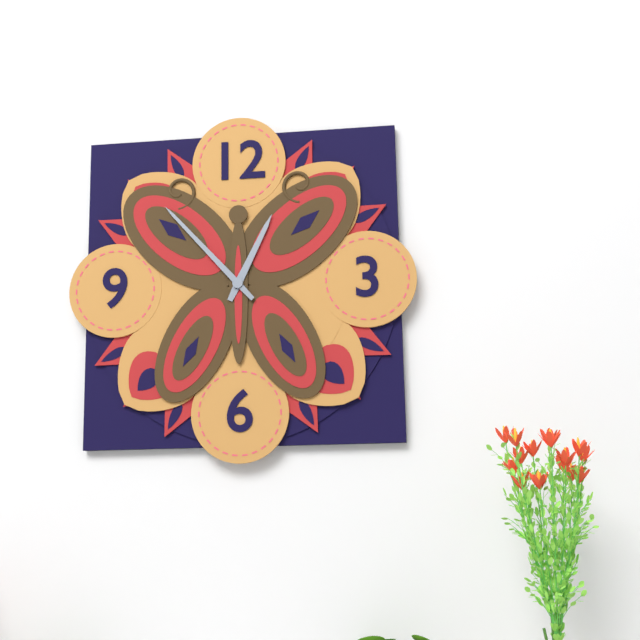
h=12 m=53
